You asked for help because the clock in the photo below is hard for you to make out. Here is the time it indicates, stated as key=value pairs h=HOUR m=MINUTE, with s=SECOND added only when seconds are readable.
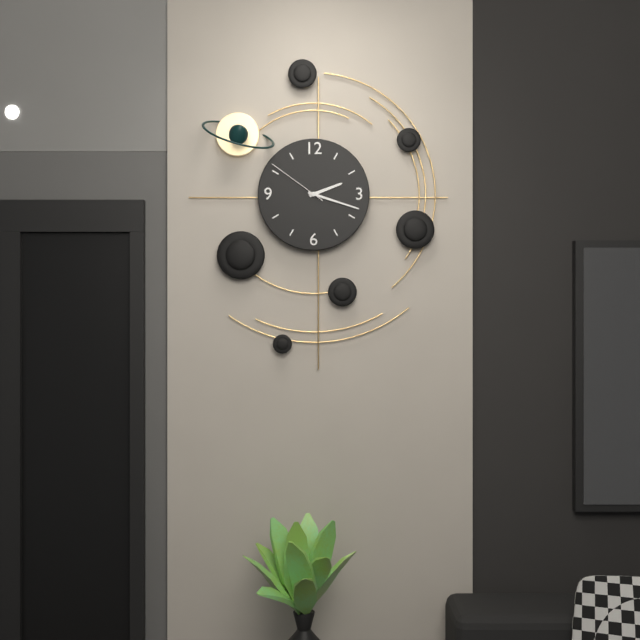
h=2 m=18 s=51
